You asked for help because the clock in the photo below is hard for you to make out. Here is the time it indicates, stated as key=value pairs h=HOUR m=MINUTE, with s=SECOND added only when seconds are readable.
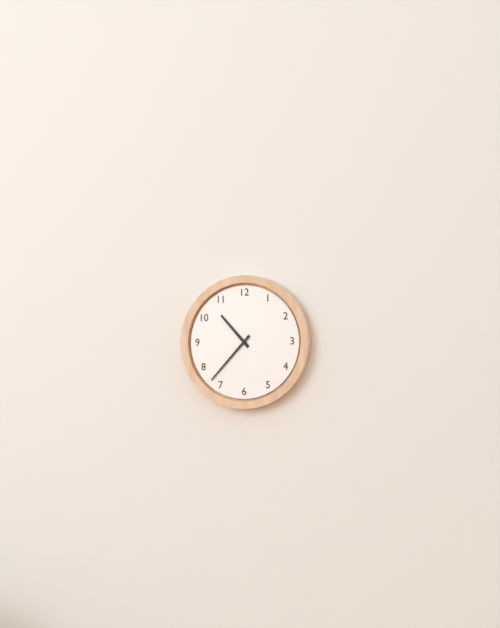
h=10 m=37
